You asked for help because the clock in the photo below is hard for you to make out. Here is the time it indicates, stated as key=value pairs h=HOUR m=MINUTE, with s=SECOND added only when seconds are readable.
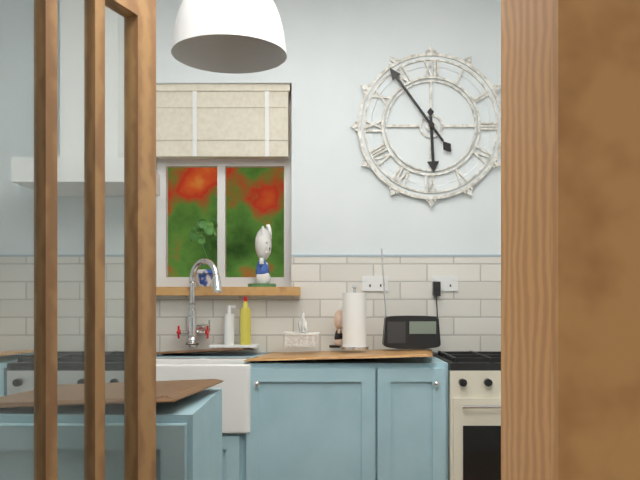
h=5 m=54
